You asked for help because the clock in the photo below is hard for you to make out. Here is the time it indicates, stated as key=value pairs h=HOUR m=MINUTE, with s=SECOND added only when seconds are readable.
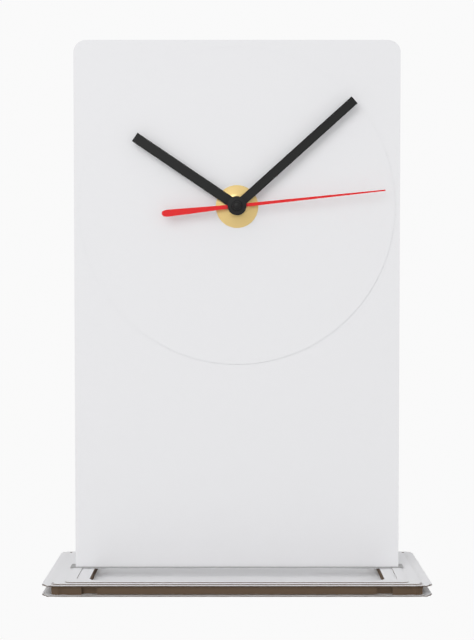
h=10 m=8 s=14
